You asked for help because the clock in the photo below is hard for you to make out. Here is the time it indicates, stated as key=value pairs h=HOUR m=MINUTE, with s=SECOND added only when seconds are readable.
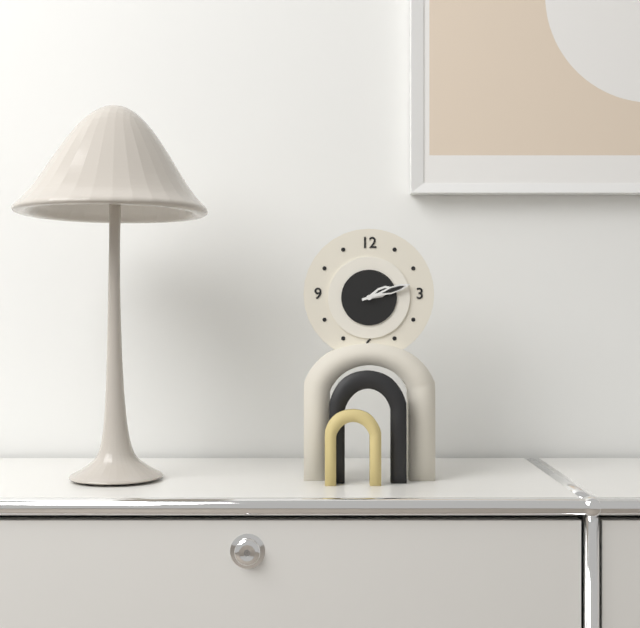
h=2 m=12
